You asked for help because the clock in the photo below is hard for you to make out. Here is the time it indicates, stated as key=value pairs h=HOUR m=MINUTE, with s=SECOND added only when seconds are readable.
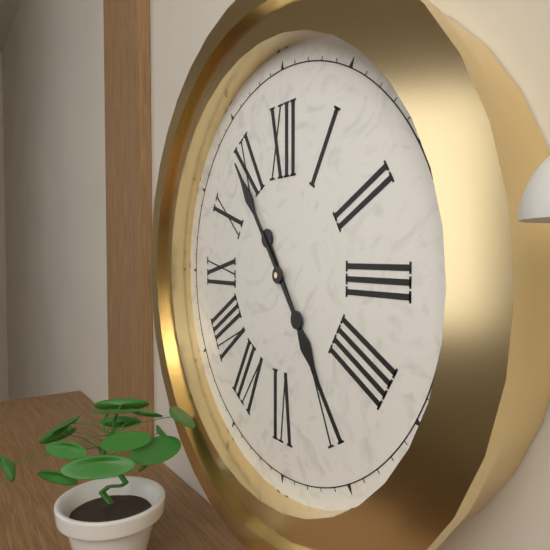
h=4 m=54
